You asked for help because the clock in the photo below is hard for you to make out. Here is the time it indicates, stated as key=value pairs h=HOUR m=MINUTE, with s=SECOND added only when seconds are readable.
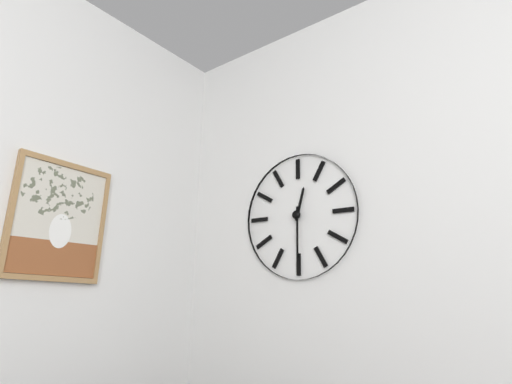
h=12 m=30
